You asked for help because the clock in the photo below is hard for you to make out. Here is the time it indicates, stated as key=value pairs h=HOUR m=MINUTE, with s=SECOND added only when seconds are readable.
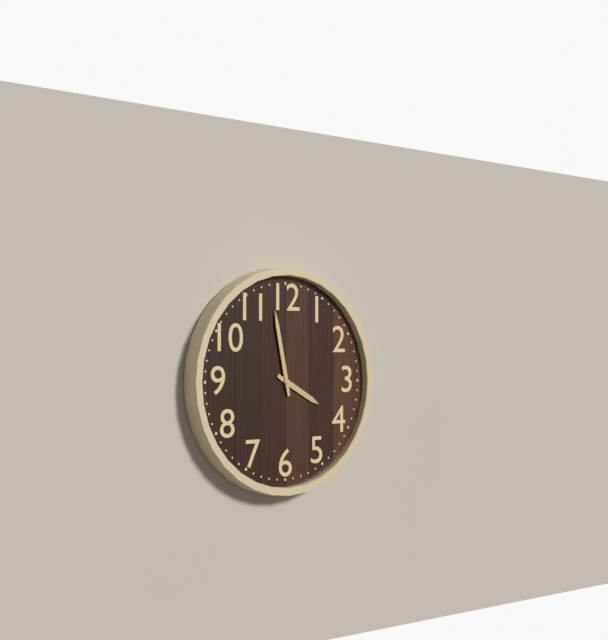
h=3 m=58
